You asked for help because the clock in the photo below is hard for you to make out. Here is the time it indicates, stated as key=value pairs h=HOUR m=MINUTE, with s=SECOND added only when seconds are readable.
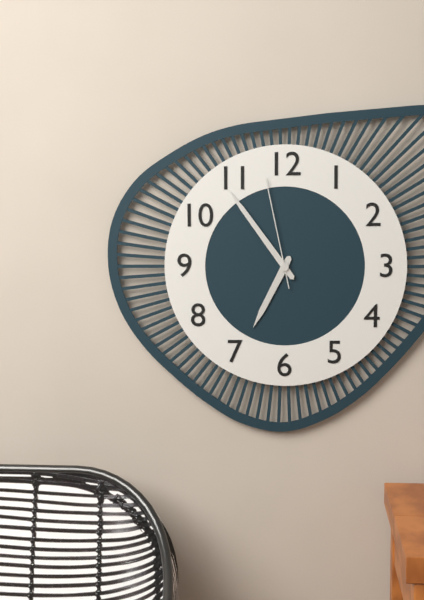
h=6 m=54 s=58
